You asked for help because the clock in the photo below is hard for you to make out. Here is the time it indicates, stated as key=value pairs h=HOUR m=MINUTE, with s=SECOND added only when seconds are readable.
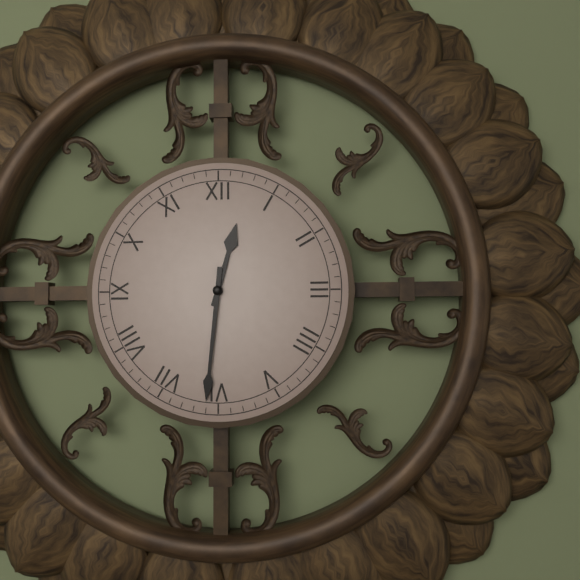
h=12 m=31
